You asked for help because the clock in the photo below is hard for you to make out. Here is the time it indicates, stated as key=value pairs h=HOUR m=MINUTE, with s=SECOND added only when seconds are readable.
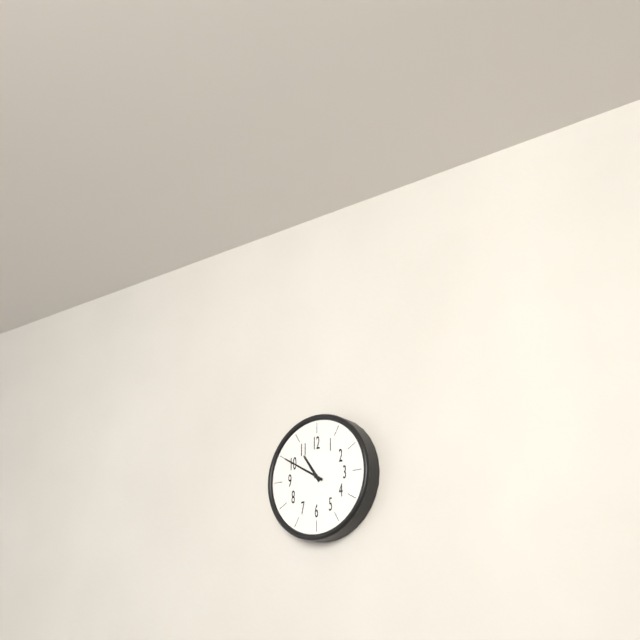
h=10 m=50
